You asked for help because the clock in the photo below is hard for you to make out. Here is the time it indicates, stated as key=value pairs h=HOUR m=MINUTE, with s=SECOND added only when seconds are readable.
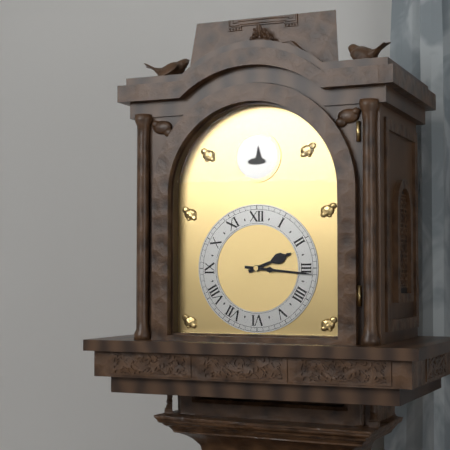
h=2 m=16
